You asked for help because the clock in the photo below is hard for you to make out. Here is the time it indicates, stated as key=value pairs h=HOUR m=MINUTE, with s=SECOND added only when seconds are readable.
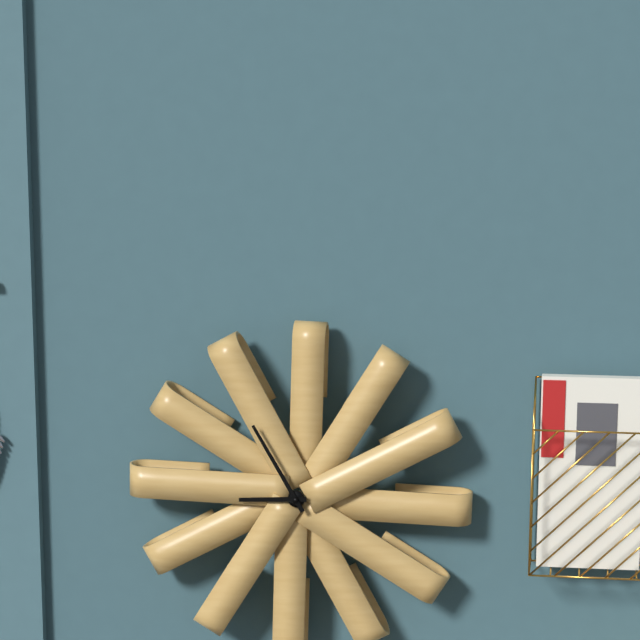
h=8 m=55
